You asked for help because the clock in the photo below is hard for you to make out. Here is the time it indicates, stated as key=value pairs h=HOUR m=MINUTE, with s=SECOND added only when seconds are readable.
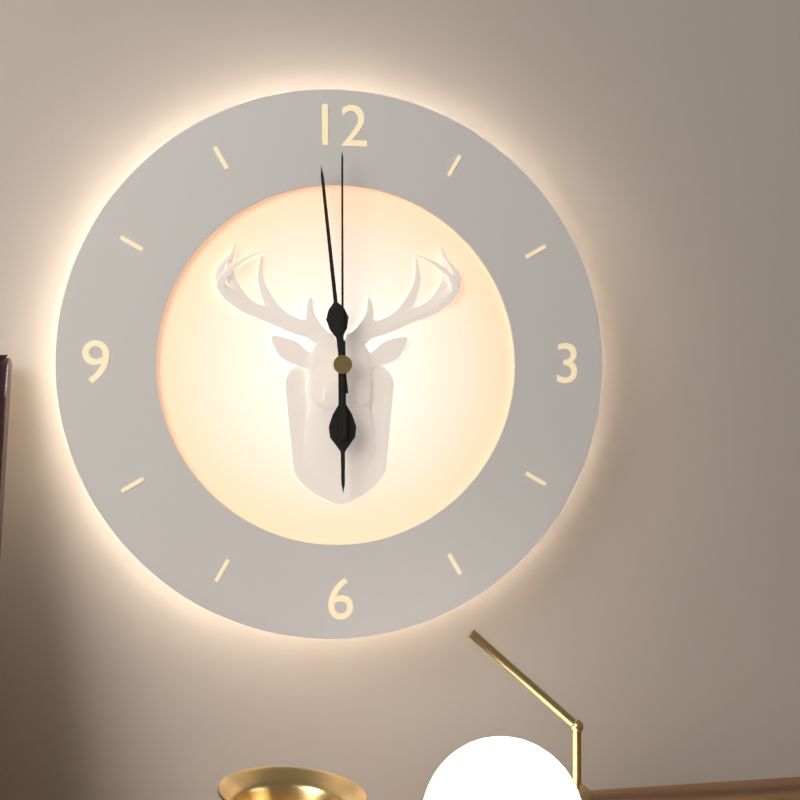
h=5 m=59 s=0
